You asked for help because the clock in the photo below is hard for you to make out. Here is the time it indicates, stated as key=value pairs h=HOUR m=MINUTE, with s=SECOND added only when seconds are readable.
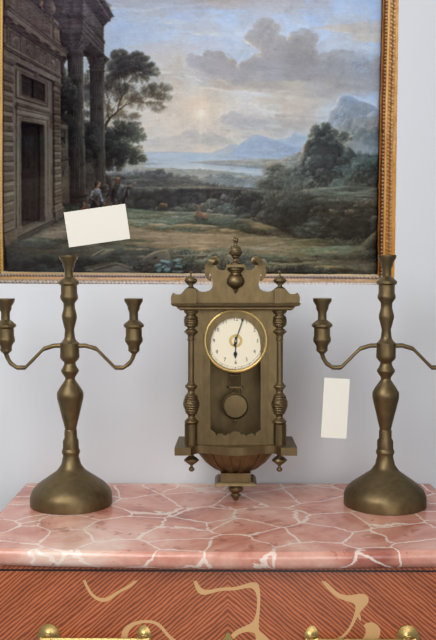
h=6 m=3
